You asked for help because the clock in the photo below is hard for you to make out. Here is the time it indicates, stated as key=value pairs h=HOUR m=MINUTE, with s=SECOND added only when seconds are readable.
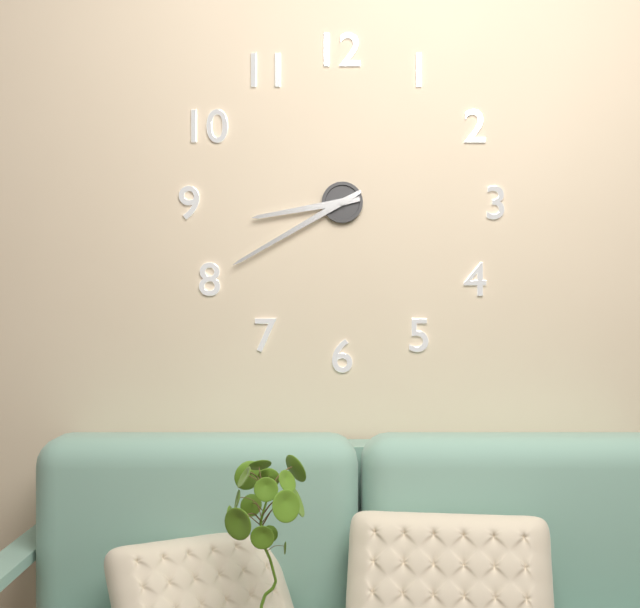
h=8 m=40
